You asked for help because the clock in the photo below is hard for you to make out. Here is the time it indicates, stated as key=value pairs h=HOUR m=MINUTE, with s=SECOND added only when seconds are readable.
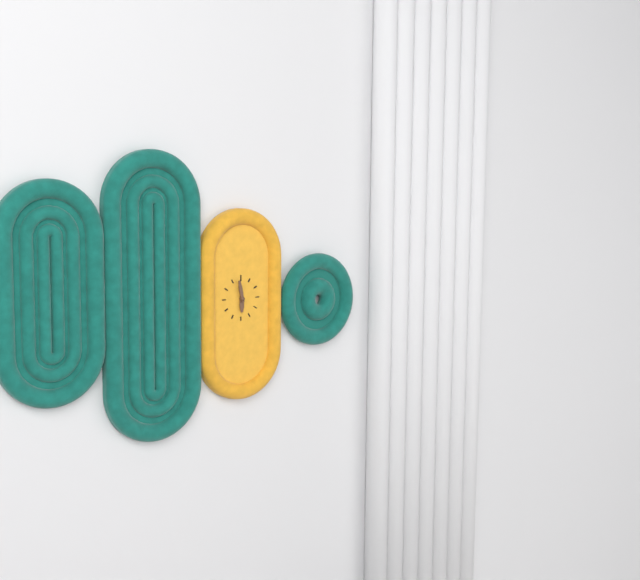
h=5 m=58
